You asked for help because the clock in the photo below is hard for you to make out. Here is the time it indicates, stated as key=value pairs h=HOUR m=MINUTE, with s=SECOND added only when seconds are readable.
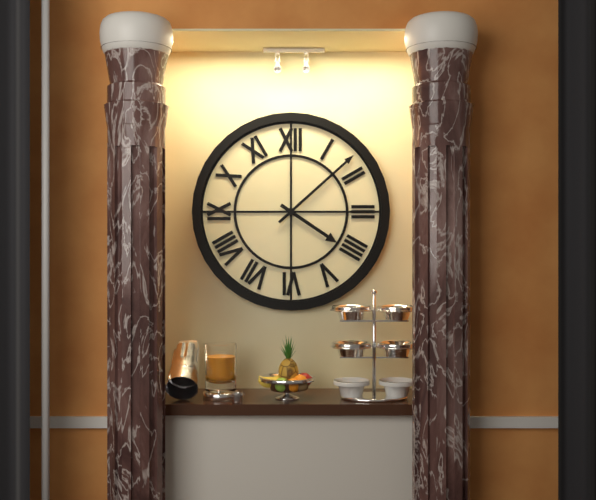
h=4 m=8
